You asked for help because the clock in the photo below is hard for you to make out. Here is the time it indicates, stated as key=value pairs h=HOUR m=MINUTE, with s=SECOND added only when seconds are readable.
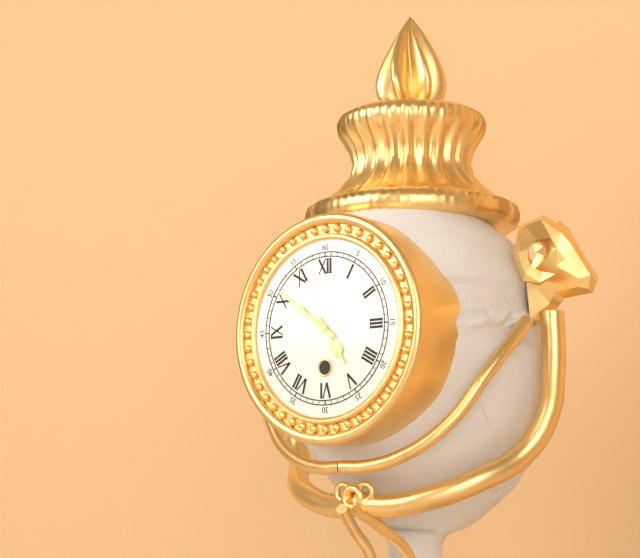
h=4 m=51
